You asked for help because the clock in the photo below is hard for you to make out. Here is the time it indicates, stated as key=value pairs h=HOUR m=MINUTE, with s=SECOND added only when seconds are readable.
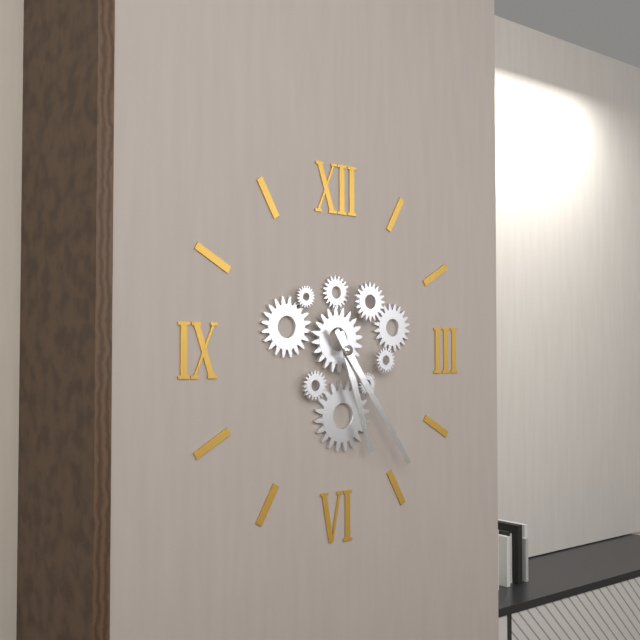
h=5 m=24
